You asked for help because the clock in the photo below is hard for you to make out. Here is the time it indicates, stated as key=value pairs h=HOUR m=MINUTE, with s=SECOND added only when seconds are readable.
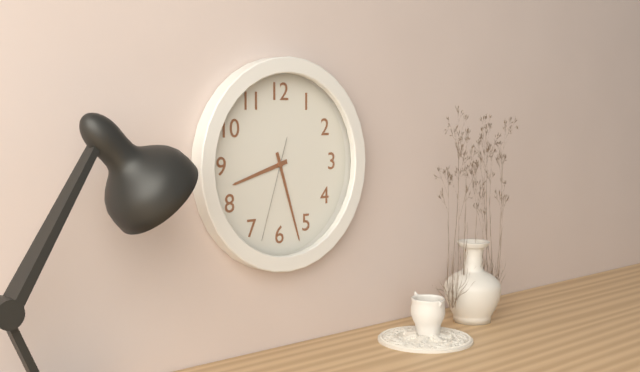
h=8 m=27 s=33
